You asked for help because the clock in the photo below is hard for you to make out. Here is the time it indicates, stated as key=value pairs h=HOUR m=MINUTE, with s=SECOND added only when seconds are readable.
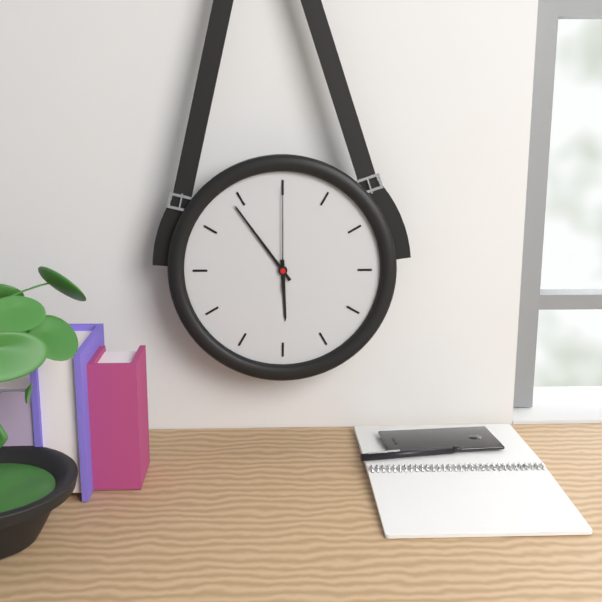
h=5 m=54 s=0
